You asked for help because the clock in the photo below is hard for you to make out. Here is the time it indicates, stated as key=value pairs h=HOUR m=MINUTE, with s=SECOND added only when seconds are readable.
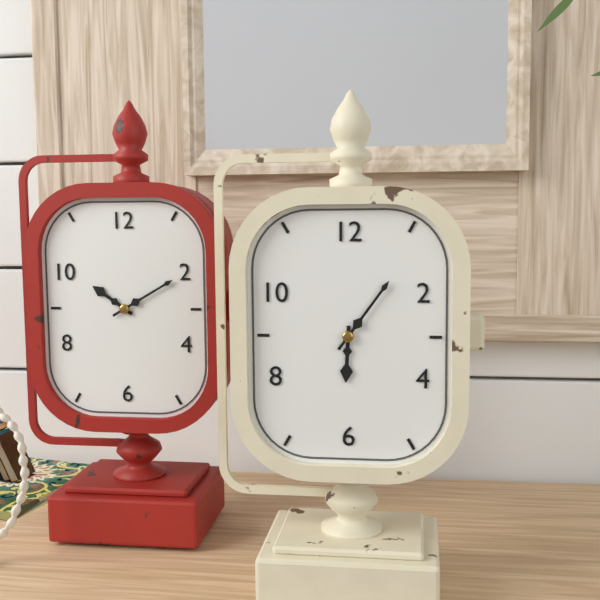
h=6 m=6
